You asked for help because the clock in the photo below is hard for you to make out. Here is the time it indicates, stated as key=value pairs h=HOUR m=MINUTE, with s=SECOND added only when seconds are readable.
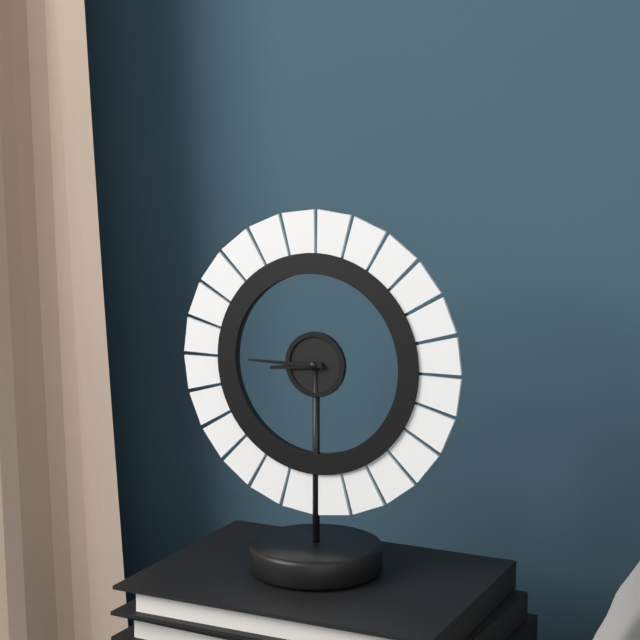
h=8 m=45
